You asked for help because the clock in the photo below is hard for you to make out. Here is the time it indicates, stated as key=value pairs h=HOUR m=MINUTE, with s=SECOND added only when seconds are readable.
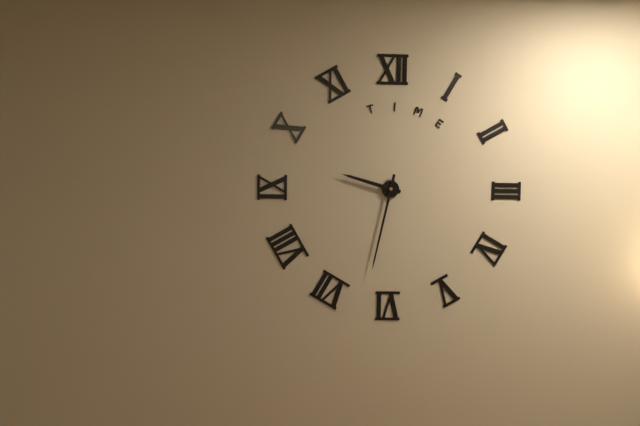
h=9 m=32
